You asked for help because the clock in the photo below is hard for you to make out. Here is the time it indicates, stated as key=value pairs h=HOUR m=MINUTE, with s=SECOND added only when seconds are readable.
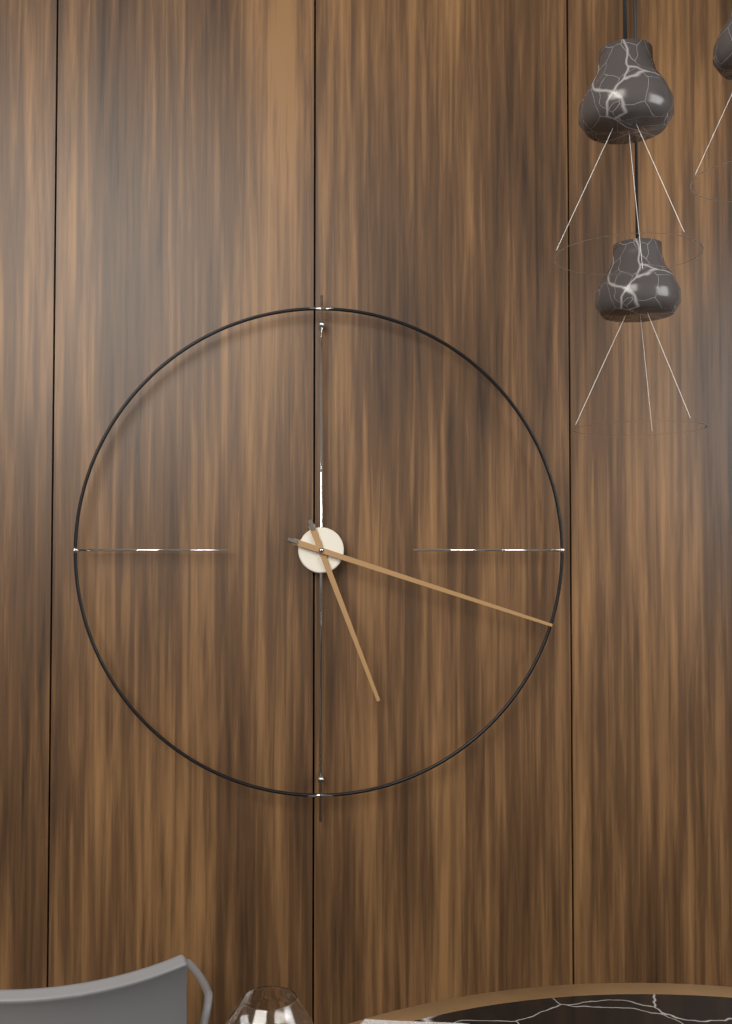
h=5 m=18
